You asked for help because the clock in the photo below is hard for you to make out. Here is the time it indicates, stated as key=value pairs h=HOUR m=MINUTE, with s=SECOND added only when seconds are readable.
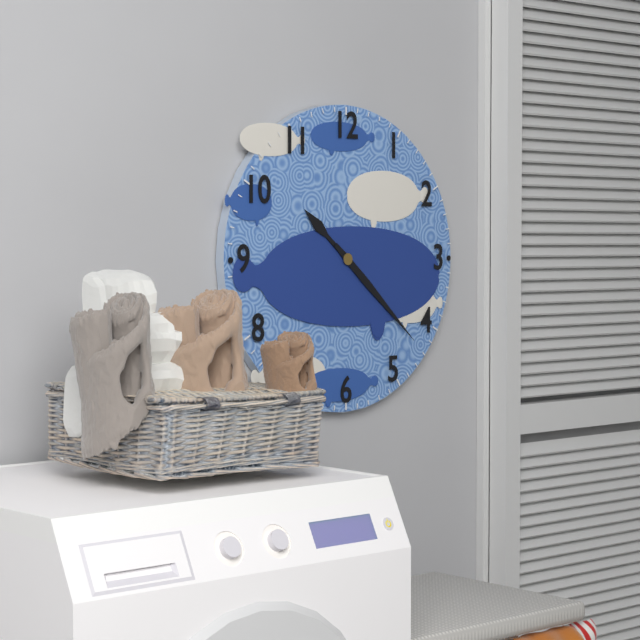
h=10 m=22
